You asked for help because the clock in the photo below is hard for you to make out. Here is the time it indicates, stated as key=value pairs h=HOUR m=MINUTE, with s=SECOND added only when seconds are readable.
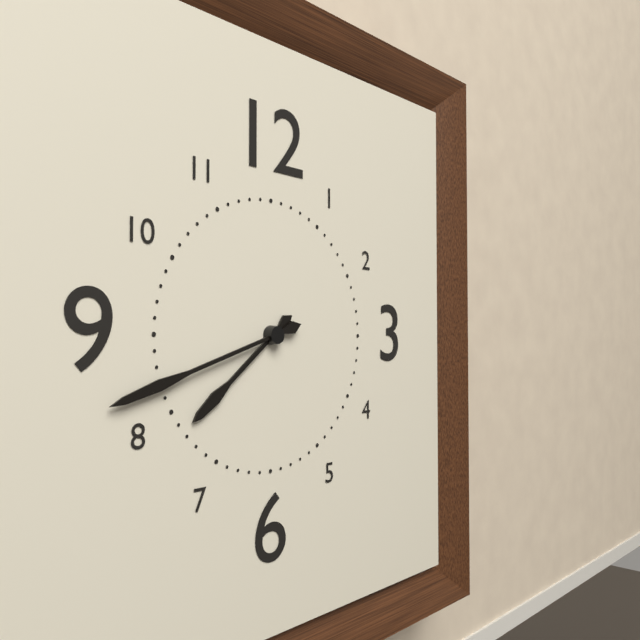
h=7 m=42
